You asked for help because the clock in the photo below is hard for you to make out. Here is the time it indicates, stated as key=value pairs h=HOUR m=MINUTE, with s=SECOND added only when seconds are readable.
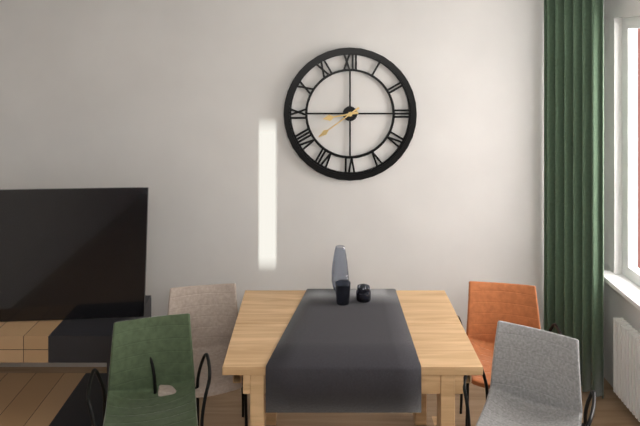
h=8 m=39
